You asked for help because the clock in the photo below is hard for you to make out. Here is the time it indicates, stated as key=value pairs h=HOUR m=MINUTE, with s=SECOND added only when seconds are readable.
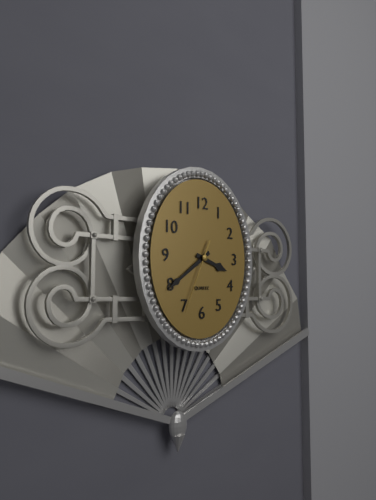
h=3 m=39 s=34
